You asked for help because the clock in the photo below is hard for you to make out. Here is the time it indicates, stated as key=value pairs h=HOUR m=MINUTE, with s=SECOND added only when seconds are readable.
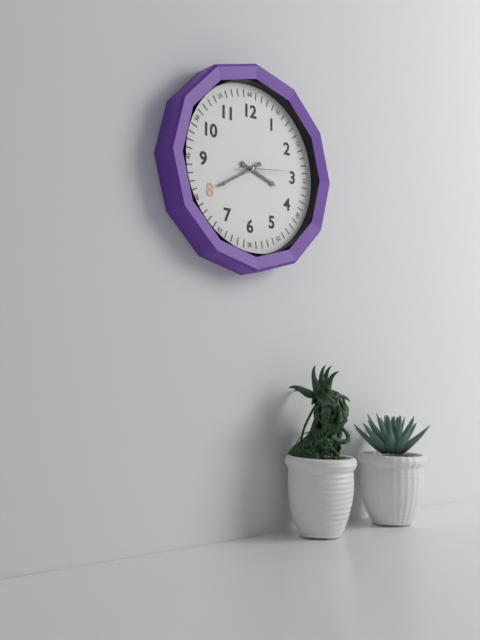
h=3 m=40 s=14
